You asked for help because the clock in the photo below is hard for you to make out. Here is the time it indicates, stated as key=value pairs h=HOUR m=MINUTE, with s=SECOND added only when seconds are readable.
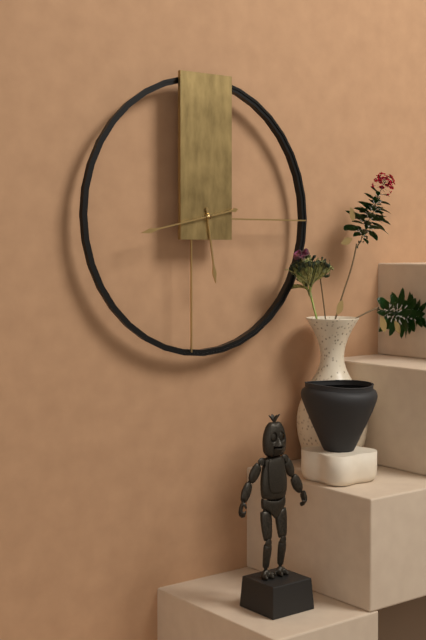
h=5 m=43
